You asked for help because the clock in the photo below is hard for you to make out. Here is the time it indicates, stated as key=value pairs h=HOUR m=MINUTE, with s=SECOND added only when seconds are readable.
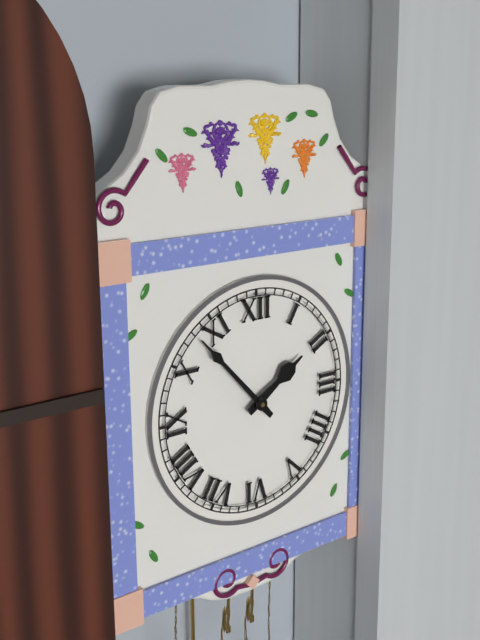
h=1 m=53
